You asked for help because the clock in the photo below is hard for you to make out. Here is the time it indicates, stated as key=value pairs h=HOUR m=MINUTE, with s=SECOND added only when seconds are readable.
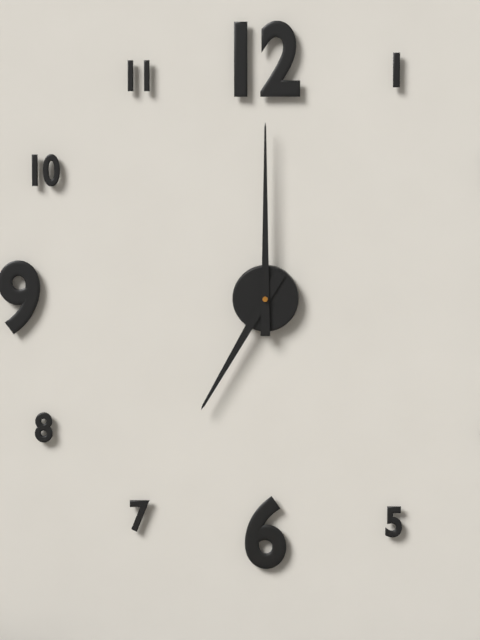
h=7 m=0
